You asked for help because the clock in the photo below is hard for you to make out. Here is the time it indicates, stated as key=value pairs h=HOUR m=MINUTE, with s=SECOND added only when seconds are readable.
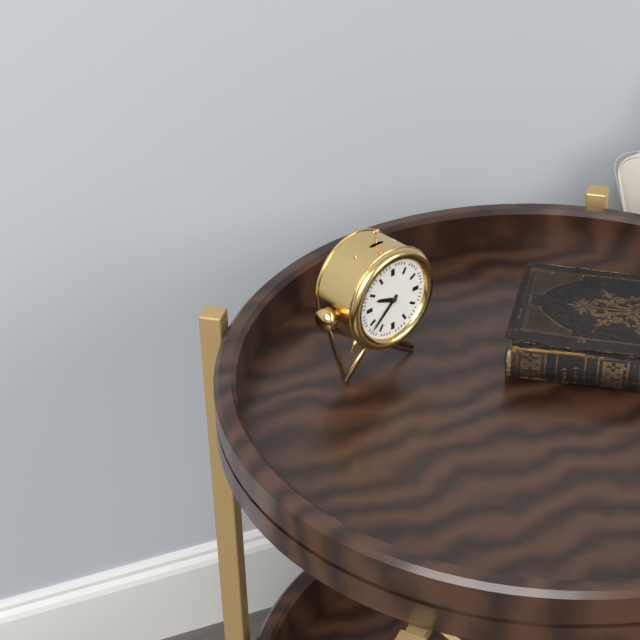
h=9 m=38
